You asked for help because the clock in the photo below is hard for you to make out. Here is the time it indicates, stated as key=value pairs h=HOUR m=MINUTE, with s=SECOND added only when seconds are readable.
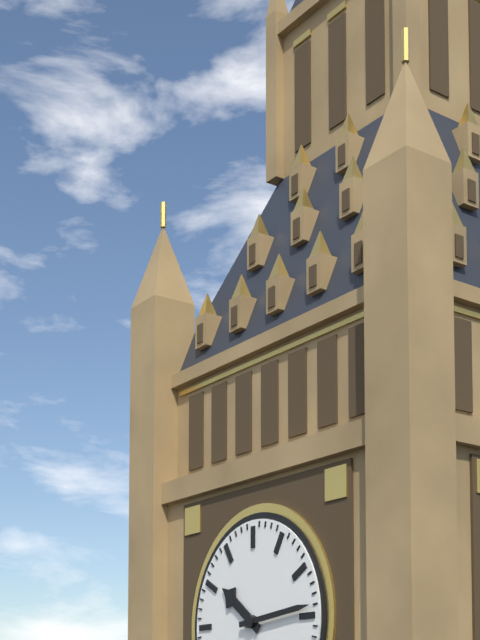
h=10 m=14
